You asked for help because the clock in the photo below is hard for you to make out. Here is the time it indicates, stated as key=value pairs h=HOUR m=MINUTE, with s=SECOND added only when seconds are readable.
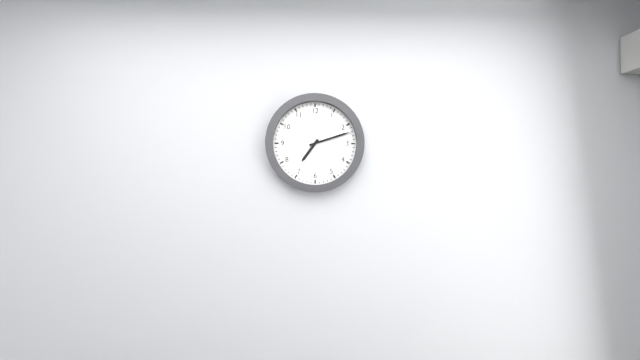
h=7 m=12
